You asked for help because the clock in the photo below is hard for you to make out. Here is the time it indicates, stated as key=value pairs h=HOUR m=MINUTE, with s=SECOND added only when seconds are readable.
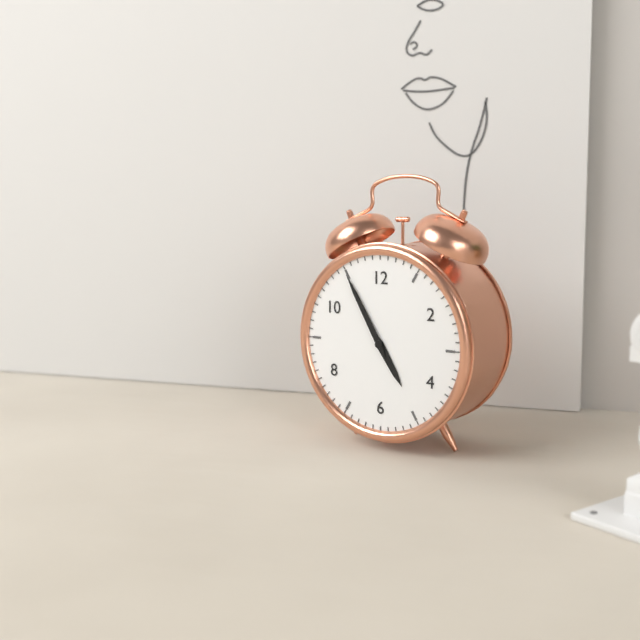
h=4 m=55
